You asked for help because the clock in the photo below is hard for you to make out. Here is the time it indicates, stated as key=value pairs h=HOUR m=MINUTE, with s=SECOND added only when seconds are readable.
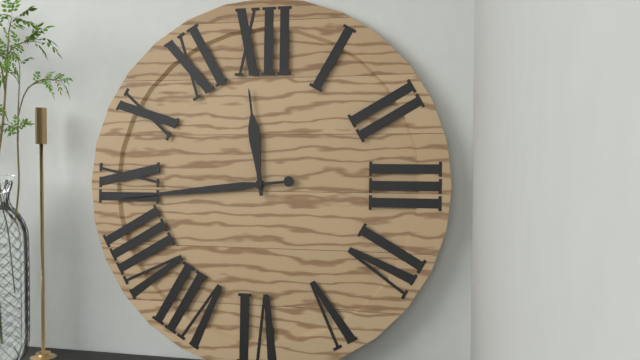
h=11 m=44
